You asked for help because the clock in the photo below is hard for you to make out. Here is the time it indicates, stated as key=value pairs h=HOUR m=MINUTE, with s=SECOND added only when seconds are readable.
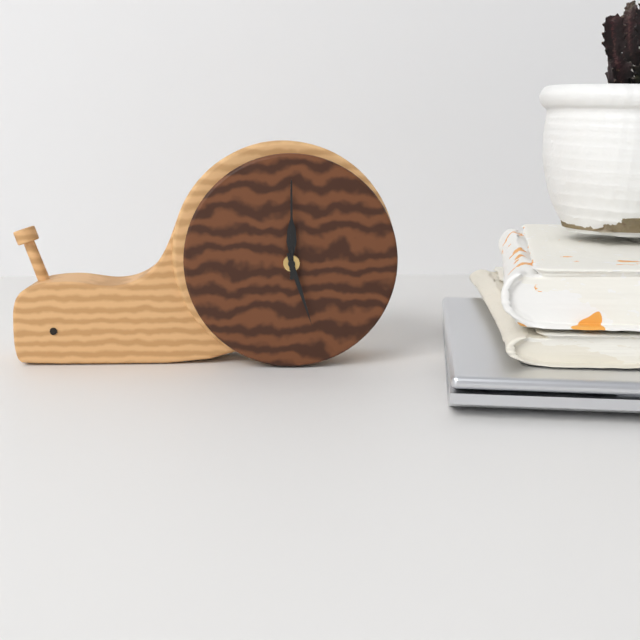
h=12 m=0 s=27
